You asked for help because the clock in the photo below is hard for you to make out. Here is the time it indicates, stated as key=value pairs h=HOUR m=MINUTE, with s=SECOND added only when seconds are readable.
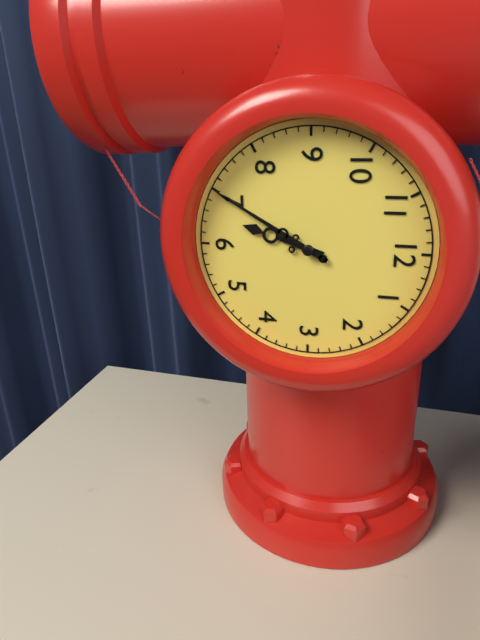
h=6 m=35
